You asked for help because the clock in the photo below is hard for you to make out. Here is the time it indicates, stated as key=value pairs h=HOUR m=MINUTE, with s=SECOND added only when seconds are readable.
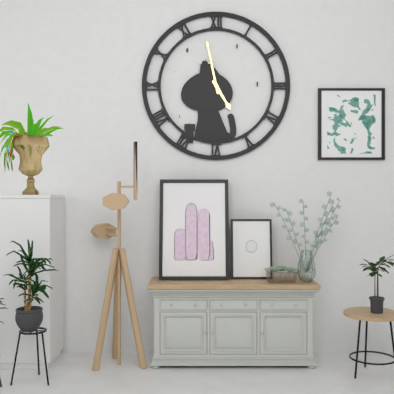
h=4 m=58
